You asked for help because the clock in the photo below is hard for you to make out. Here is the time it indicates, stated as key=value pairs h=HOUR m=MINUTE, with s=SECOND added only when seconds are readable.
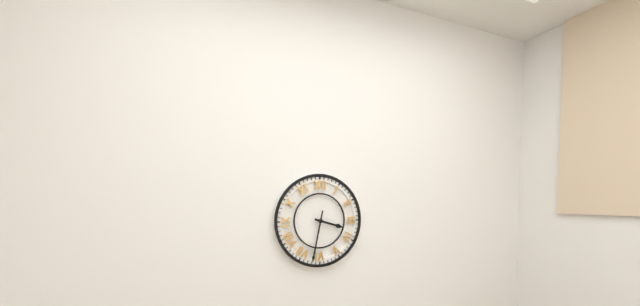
h=3 m=32
